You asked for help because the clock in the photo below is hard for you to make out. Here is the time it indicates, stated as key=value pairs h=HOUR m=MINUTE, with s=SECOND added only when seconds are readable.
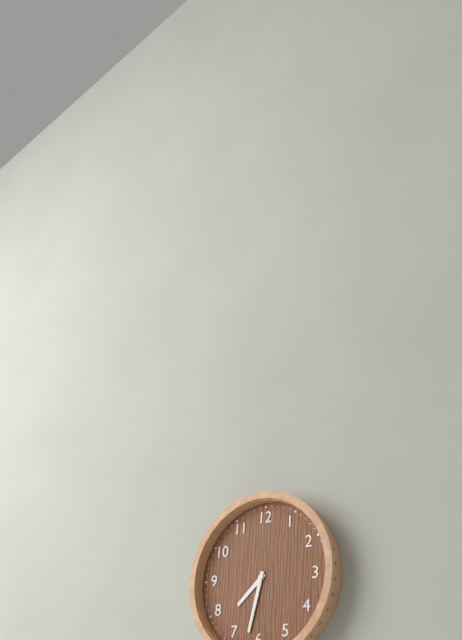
h=7 m=32
